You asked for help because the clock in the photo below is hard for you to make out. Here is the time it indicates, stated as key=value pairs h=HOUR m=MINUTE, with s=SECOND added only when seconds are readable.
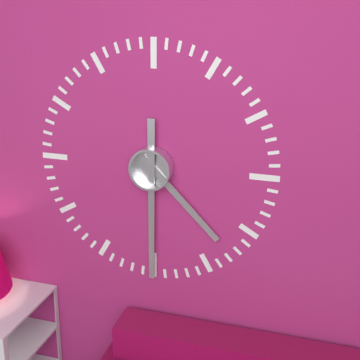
h=4 m=30
